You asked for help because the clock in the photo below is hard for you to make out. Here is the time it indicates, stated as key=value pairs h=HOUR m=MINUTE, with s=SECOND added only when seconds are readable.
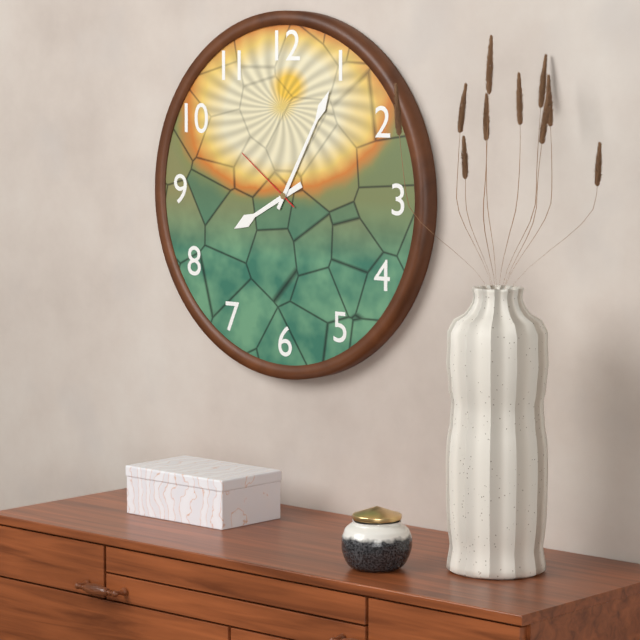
h=8 m=5 s=51
